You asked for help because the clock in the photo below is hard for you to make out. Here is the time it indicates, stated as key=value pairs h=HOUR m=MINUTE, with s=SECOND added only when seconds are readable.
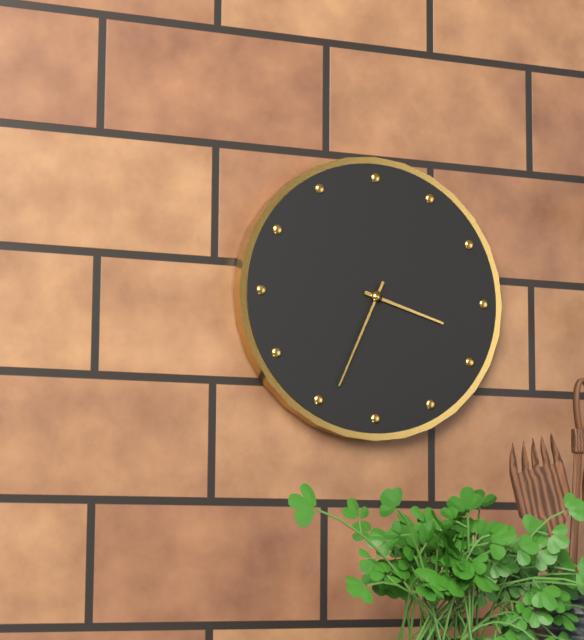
h=3 m=34
